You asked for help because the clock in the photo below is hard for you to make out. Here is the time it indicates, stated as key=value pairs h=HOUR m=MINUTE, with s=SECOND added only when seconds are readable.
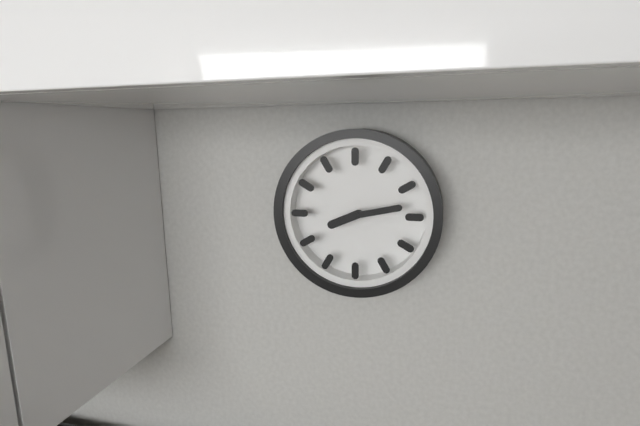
h=8 m=13
